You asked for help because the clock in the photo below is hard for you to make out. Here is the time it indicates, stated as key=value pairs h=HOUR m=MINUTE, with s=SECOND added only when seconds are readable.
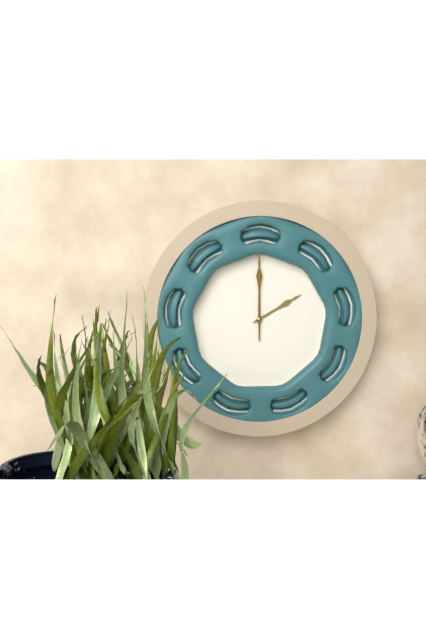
h=2 m=0
